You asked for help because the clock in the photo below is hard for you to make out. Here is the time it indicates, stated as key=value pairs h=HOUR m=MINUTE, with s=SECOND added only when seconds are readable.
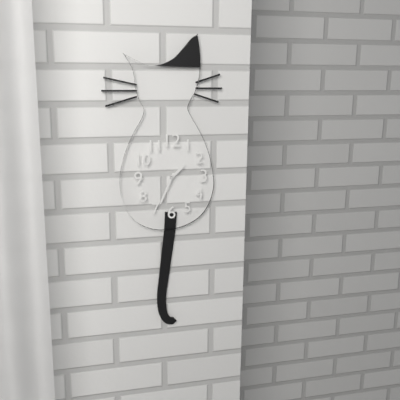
h=1 m=34
